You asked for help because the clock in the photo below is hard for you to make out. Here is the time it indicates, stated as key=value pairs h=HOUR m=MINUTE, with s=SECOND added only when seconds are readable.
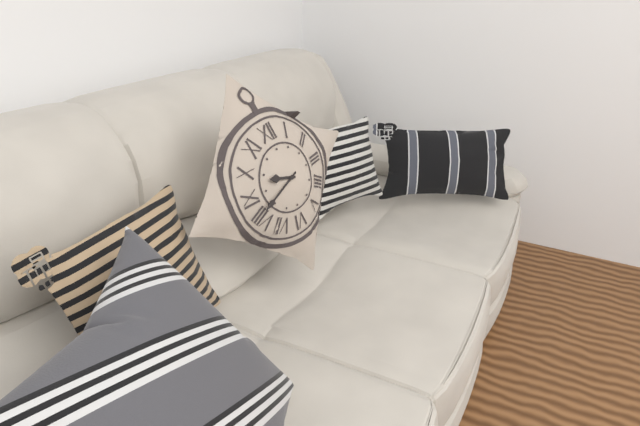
h=9 m=42
